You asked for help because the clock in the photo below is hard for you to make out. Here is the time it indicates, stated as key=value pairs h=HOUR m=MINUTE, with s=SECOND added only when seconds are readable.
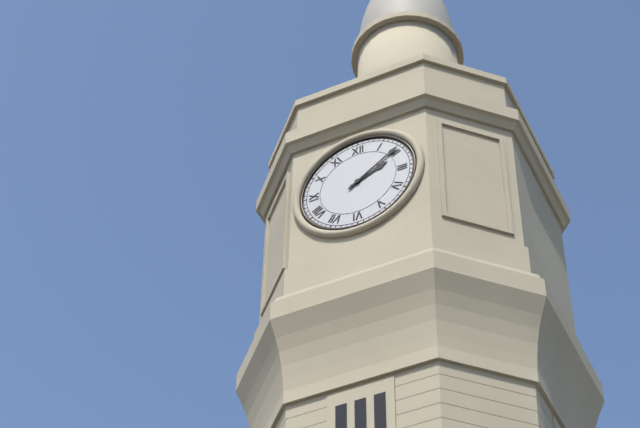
h=2 m=9
